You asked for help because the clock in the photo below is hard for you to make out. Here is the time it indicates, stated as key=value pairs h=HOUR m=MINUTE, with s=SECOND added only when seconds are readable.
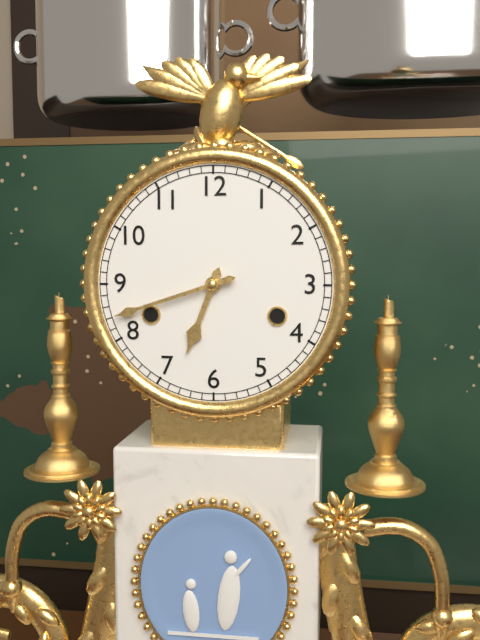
h=6 m=42
